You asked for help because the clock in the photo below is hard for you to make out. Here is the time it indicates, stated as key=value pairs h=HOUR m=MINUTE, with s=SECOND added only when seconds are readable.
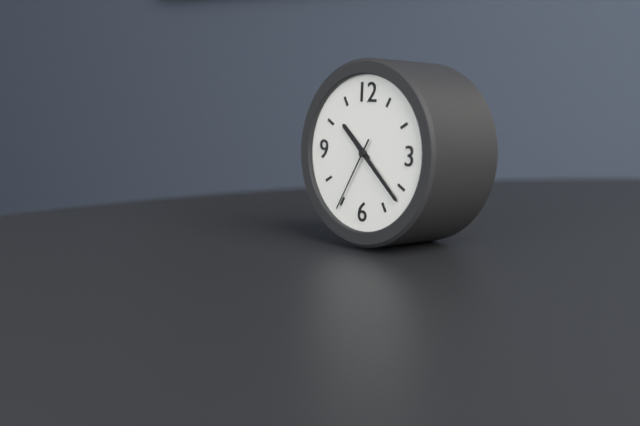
h=10 m=22 s=35
